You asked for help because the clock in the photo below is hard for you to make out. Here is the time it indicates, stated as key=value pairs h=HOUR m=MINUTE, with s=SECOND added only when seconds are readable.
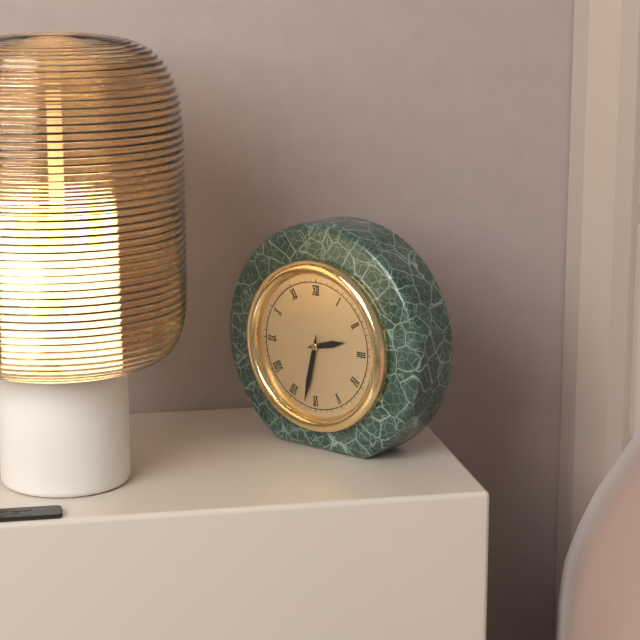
h=2 m=32
